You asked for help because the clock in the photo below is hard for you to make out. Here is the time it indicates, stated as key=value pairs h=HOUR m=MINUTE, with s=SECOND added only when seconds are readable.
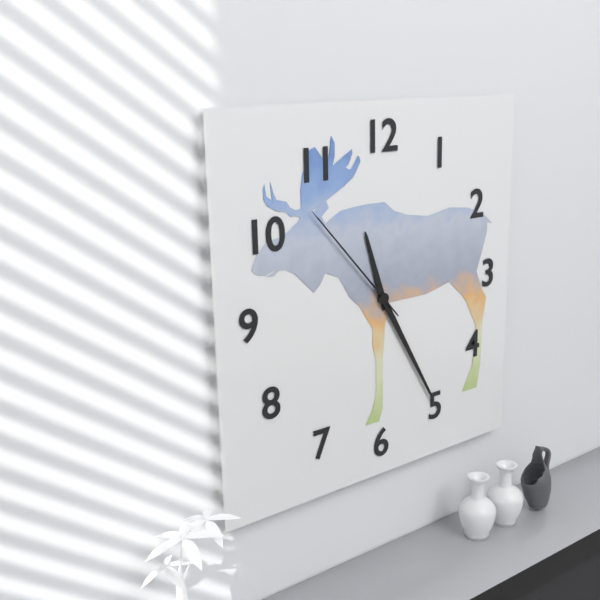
h=11 m=25 s=53
